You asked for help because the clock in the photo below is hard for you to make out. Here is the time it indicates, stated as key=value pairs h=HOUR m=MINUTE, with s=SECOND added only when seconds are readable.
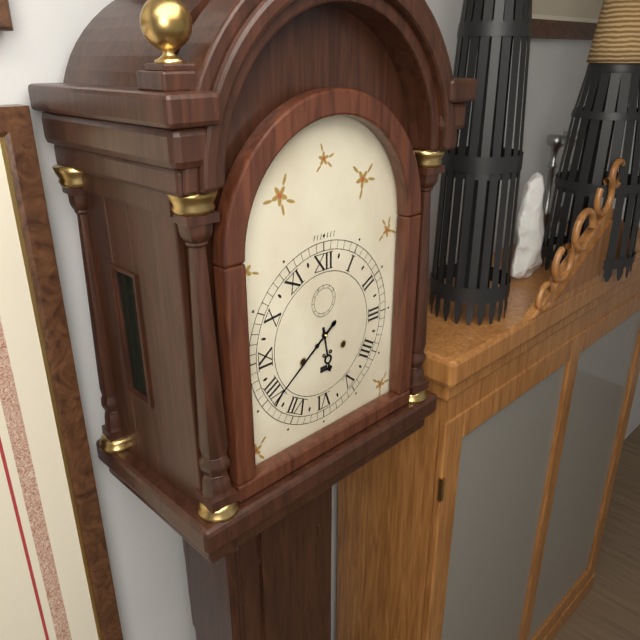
h=5 m=39
